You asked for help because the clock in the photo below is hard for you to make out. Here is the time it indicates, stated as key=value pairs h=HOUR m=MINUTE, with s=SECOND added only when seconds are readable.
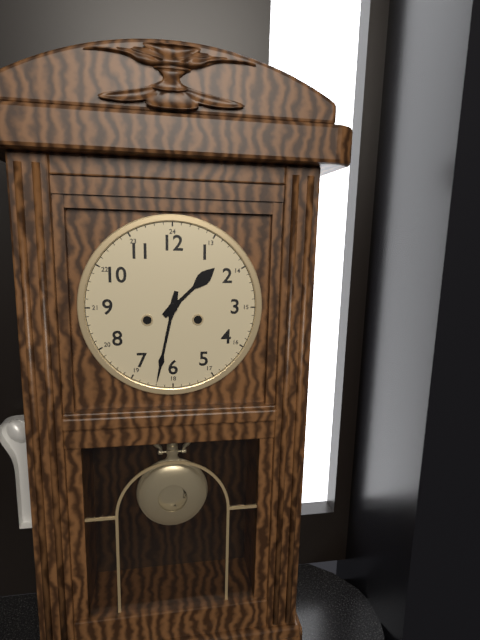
h=1 m=32
